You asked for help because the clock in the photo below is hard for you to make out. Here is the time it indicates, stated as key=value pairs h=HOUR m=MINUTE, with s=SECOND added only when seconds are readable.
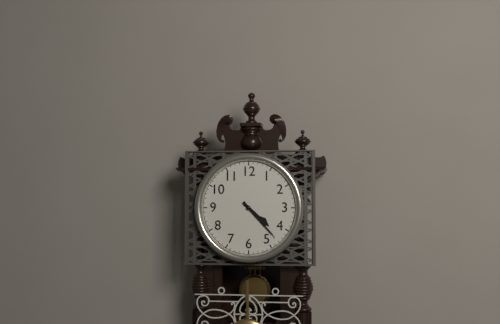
h=4 m=23
